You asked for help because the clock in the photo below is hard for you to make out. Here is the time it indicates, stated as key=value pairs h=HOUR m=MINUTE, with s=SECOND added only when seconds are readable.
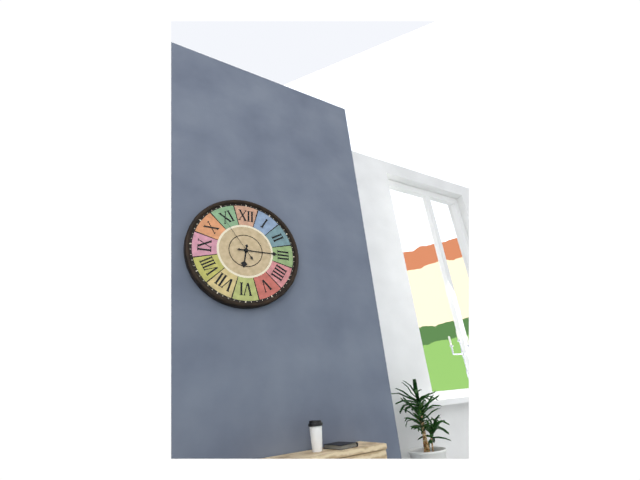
h=6 m=15
